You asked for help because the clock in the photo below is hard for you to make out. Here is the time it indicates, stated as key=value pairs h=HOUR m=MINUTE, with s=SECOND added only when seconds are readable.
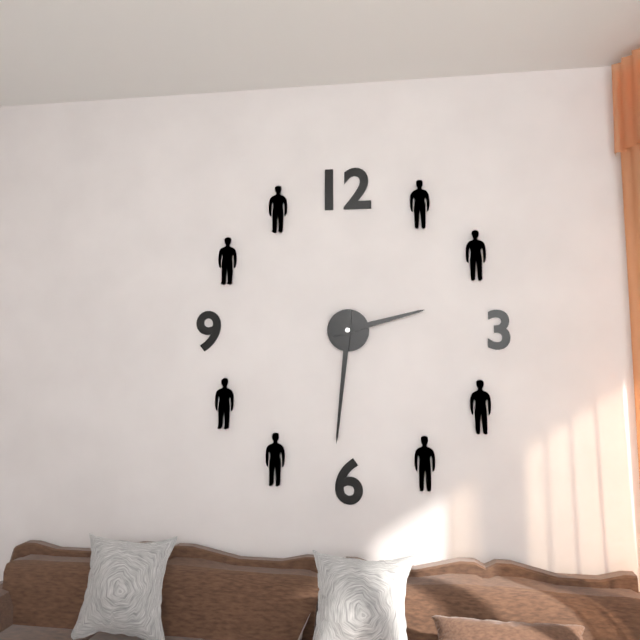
h=2 m=31
